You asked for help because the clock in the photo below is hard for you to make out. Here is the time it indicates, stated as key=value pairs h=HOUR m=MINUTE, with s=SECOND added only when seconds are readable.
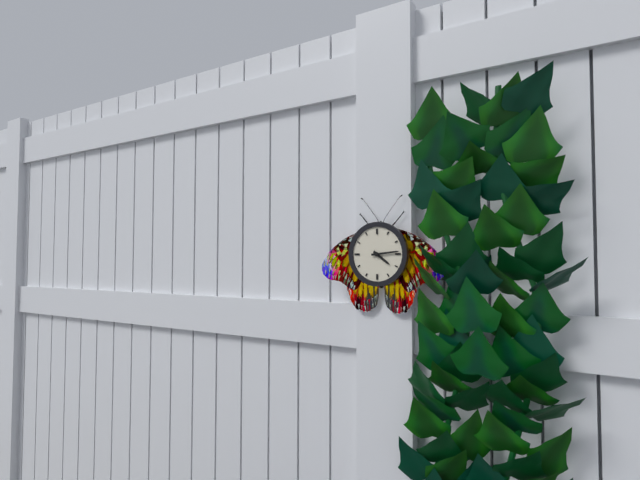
h=4 m=14
